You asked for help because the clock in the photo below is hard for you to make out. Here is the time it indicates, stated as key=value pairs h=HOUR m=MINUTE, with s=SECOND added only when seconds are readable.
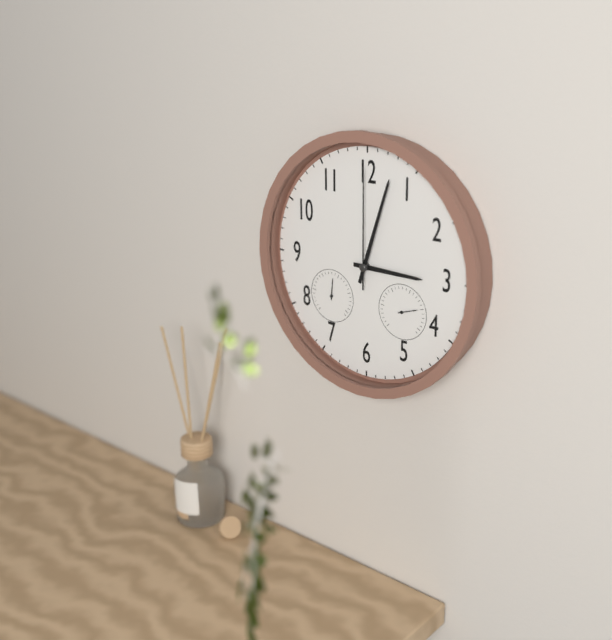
h=3 m=3 s=0
